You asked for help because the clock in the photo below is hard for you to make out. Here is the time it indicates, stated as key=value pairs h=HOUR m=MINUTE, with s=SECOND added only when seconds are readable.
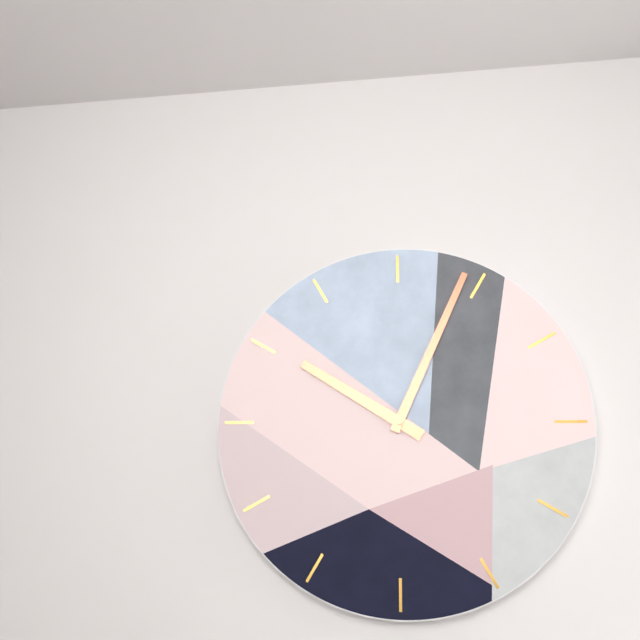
h=10 m=4
